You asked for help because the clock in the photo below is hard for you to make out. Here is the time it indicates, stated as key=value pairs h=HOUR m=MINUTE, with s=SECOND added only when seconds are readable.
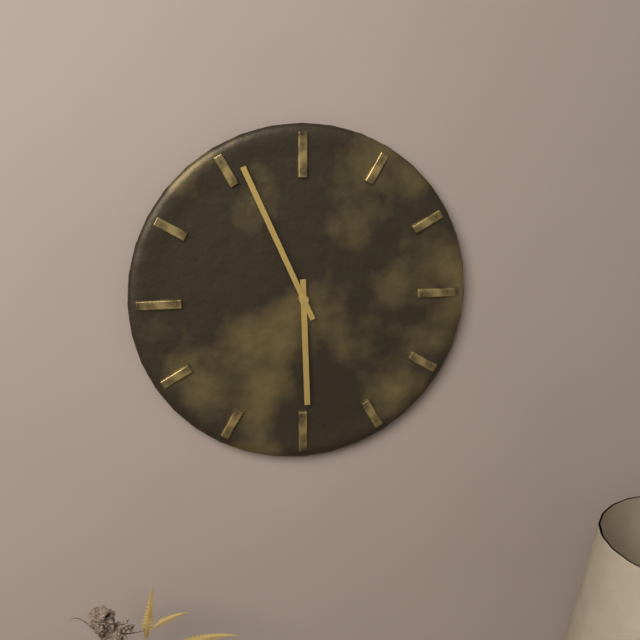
h=5 m=56
